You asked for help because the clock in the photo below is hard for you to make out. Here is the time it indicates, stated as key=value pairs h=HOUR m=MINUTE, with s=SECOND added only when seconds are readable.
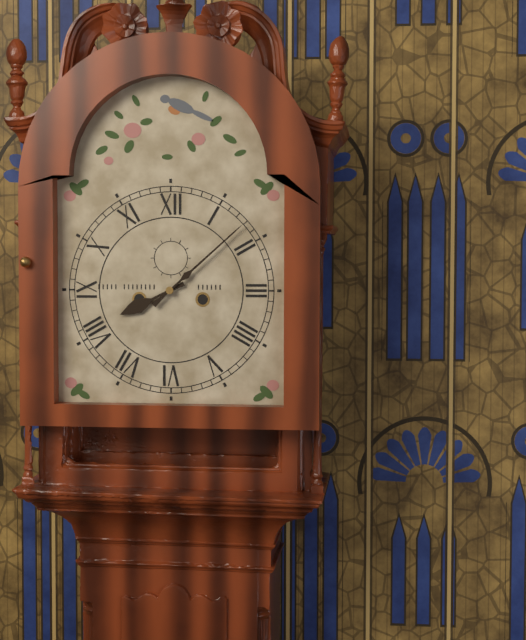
h=8 m=8
